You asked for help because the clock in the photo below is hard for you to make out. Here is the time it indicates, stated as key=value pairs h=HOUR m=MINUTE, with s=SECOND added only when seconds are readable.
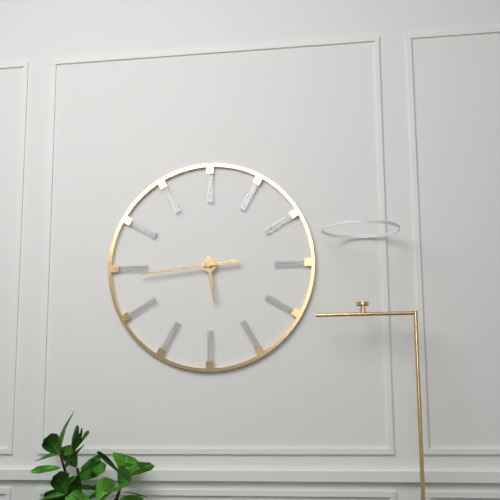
h=5 m=44
